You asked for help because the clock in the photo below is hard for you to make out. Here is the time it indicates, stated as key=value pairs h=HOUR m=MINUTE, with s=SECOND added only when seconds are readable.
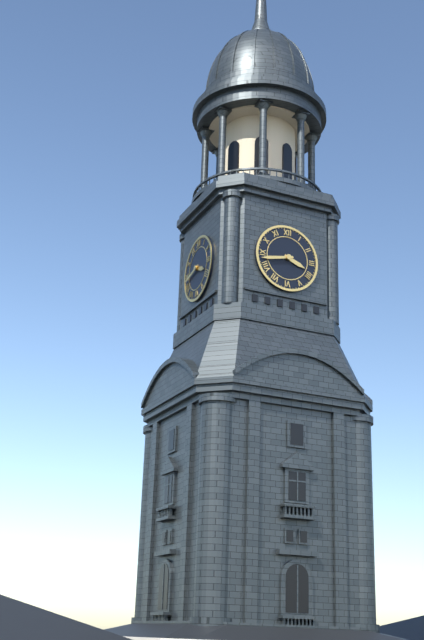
h=3 m=43
